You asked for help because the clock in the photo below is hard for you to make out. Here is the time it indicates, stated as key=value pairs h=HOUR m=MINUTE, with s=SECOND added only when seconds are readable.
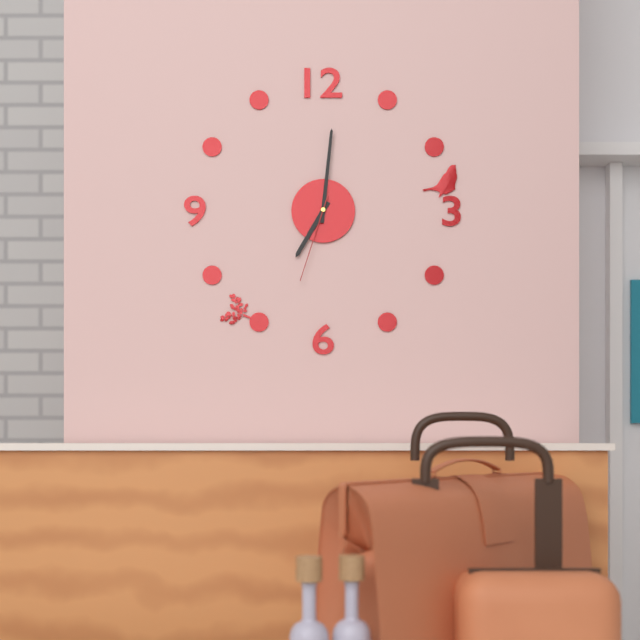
h=7 m=1 s=33
